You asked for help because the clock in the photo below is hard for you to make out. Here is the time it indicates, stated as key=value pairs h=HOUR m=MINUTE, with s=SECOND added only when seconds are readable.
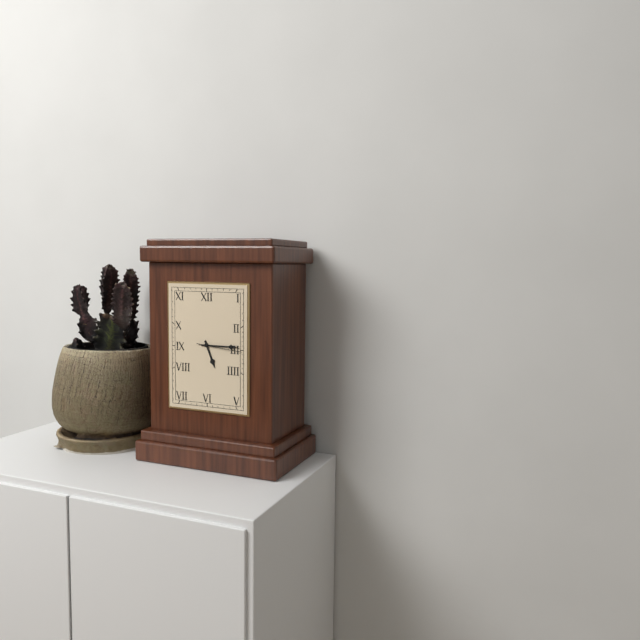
h=5 m=15
